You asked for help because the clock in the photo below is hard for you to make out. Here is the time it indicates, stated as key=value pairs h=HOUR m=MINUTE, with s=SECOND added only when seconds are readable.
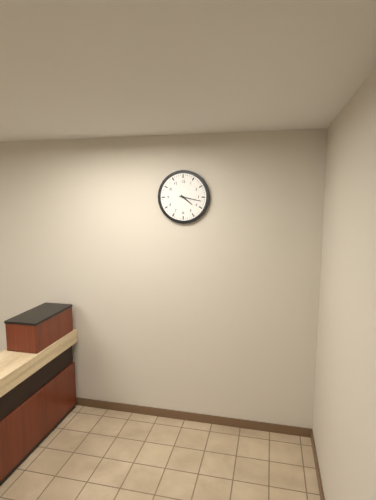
h=4 m=17
